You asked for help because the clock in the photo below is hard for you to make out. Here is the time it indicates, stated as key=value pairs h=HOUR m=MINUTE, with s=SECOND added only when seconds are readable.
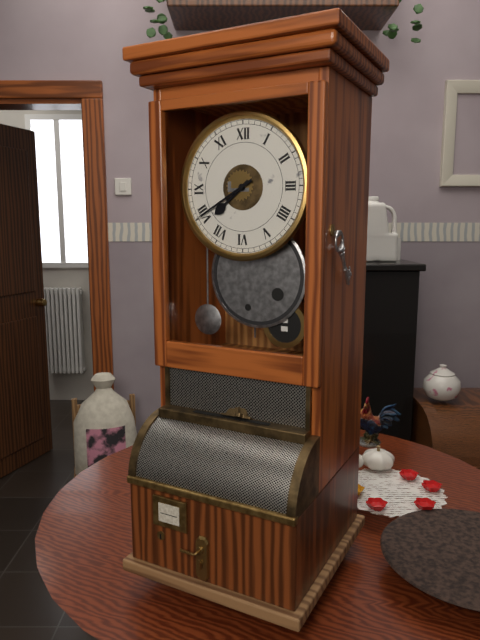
h=7 m=40
